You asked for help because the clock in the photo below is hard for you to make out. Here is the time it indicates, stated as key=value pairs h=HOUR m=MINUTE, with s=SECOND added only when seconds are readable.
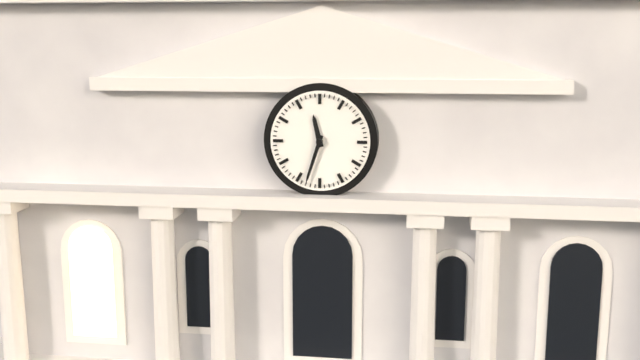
h=11 m=33
